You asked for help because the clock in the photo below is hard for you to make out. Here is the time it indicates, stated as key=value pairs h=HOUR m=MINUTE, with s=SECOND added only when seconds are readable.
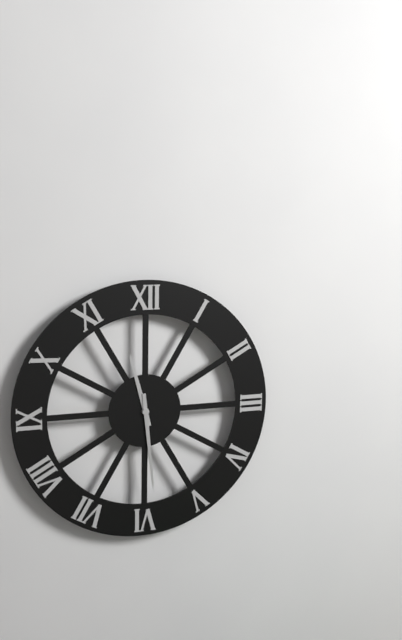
h=11 m=29
